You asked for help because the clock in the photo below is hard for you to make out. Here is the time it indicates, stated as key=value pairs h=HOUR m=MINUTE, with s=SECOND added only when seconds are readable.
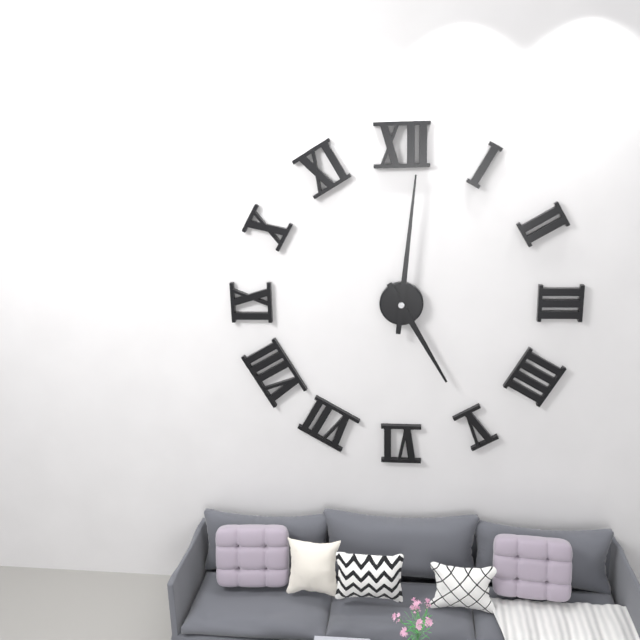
h=5 m=1
